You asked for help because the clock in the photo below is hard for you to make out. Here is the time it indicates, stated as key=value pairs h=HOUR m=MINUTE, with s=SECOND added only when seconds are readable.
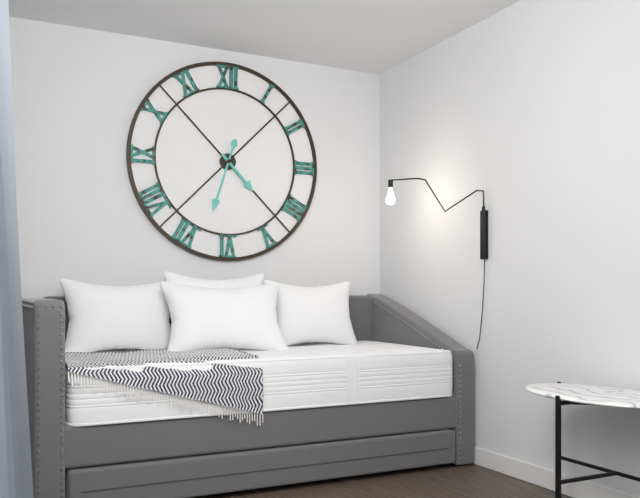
h=4 m=33
